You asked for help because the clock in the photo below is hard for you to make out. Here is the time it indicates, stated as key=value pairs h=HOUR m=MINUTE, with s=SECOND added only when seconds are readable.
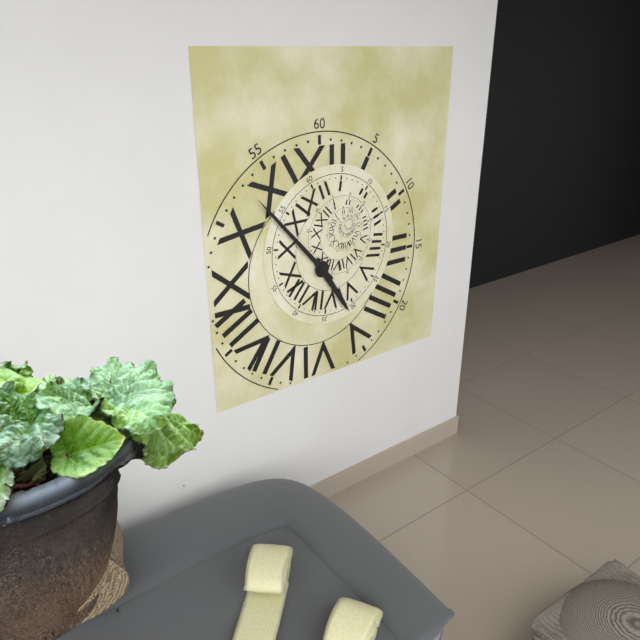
h=4 m=53
